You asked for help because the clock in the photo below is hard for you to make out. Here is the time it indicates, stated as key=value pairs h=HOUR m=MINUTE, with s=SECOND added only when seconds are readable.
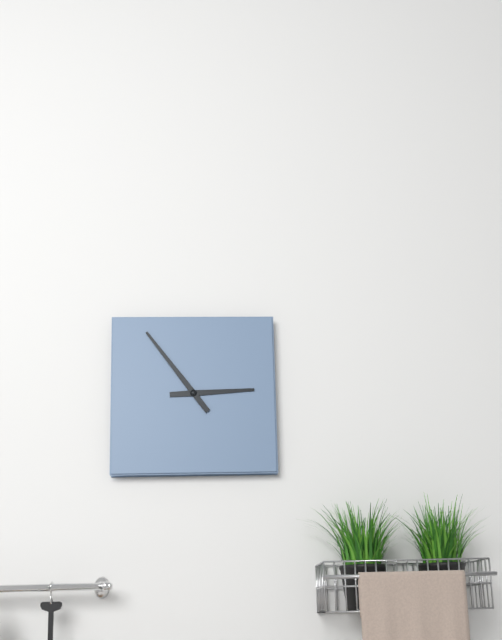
h=2 m=54
